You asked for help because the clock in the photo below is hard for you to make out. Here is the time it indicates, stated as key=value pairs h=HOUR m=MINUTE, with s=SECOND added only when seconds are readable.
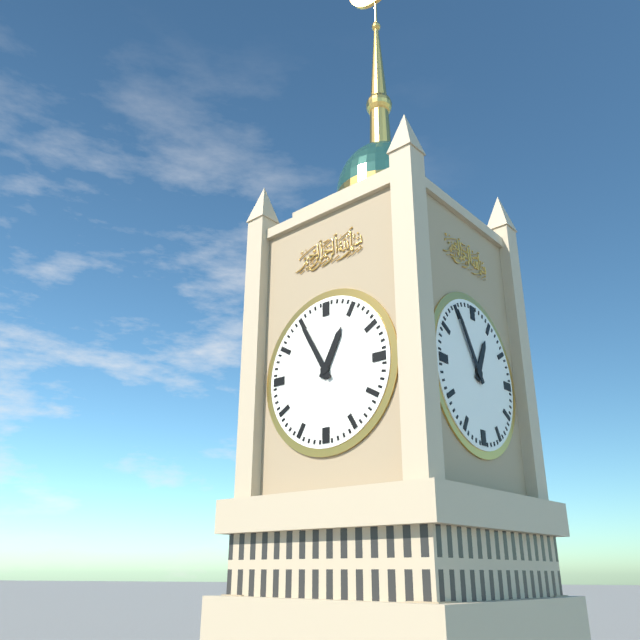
h=12 m=55
